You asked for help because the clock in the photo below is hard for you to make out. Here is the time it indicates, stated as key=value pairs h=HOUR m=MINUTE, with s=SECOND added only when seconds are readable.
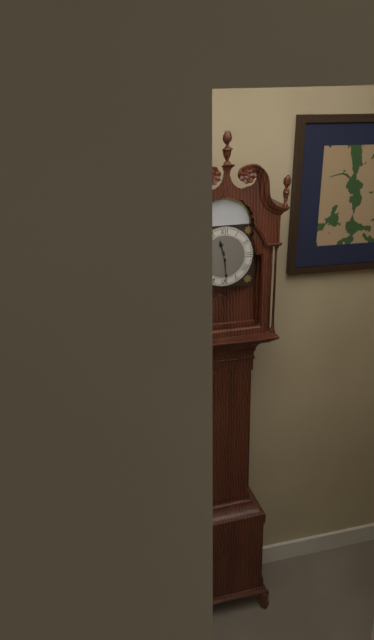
h=11 m=29
